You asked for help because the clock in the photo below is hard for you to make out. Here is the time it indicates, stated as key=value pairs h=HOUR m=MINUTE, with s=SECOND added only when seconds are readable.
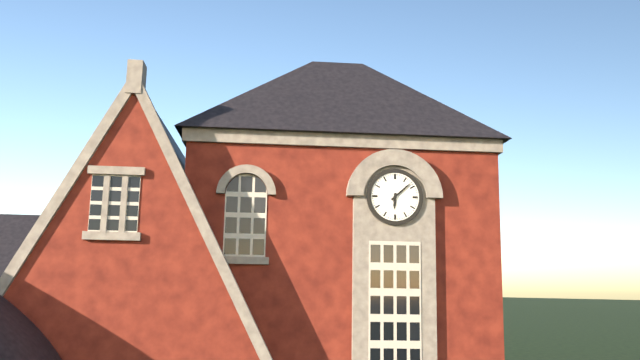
h=6 m=8
